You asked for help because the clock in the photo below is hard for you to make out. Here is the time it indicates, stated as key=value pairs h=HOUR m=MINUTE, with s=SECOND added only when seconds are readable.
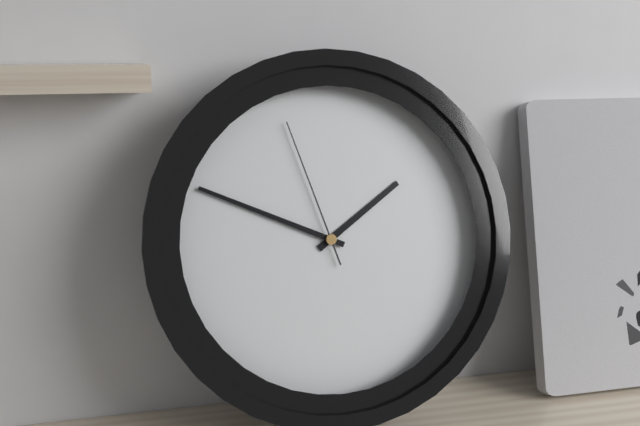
h=1 m=49 s=57
